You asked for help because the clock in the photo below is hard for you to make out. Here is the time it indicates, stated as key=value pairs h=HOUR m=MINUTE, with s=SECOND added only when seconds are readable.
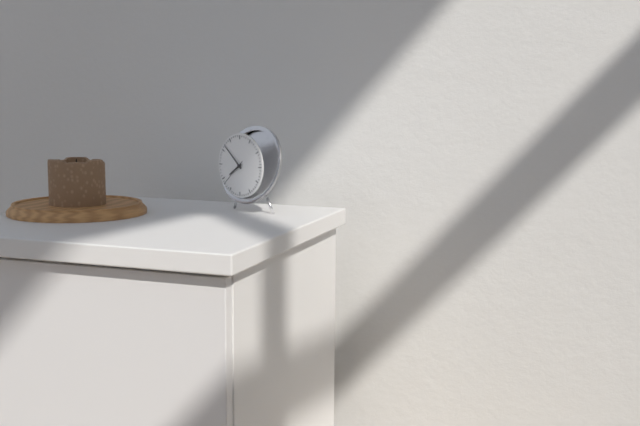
h=7 m=52
